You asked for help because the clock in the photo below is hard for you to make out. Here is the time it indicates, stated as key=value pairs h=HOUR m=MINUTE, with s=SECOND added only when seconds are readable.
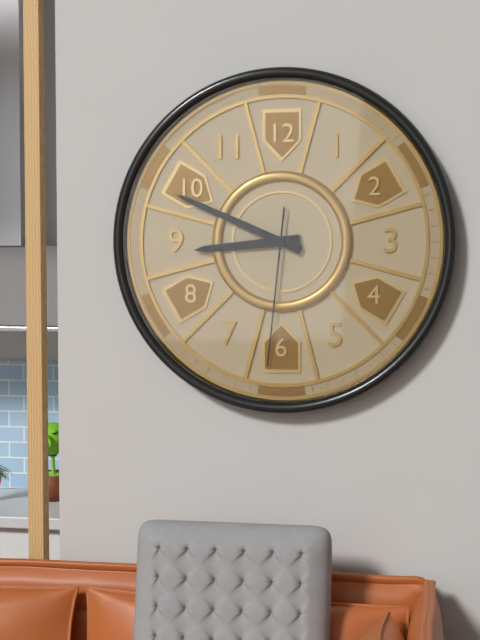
h=8 m=49 s=31
